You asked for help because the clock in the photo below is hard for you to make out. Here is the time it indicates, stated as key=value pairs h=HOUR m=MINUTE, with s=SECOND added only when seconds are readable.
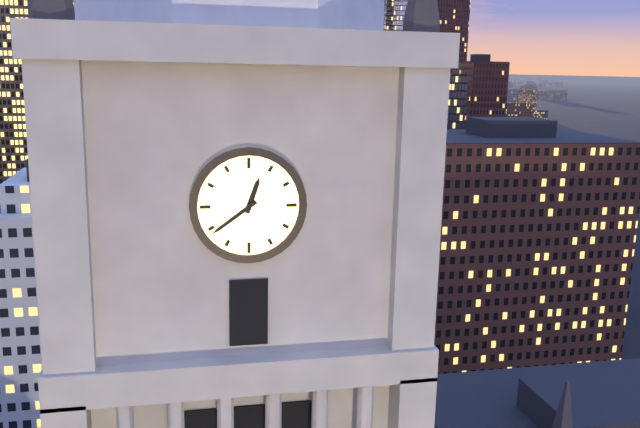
h=12 m=39
